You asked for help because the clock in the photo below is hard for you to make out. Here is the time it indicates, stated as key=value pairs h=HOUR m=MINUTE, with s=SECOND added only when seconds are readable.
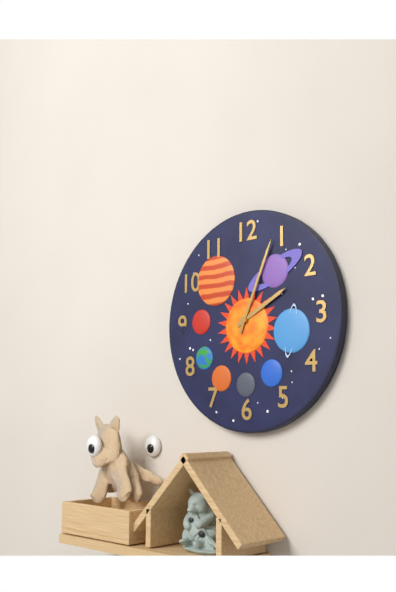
h=2 m=4
